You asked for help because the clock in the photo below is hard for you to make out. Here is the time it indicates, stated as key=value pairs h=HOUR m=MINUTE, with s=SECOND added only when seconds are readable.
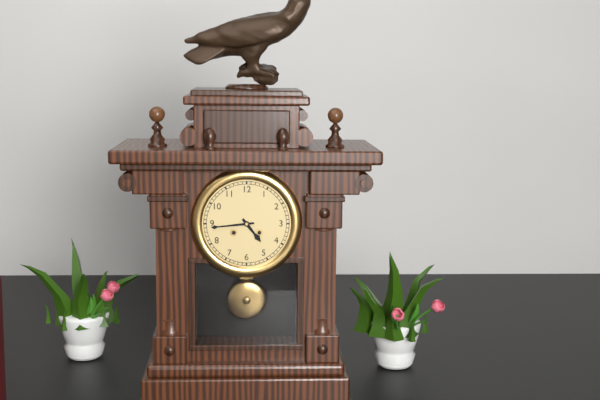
h=4 m=44
